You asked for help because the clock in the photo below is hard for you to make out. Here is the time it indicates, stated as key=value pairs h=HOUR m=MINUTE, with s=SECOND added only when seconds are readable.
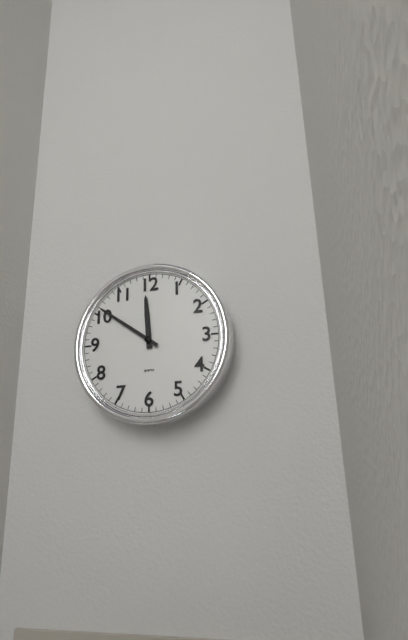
h=11 m=51
